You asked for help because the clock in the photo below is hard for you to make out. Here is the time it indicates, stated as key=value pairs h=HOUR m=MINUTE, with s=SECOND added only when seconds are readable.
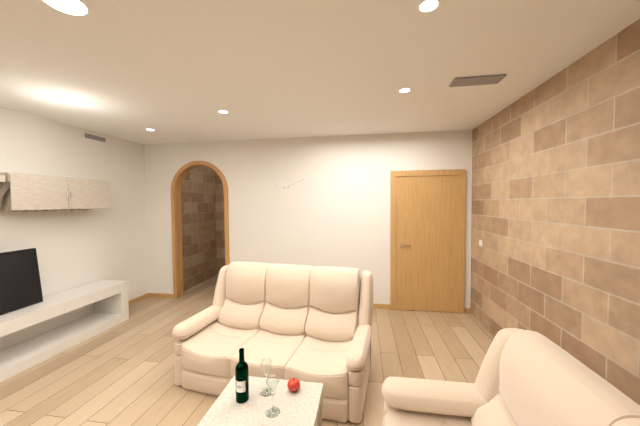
h=9 m=11
